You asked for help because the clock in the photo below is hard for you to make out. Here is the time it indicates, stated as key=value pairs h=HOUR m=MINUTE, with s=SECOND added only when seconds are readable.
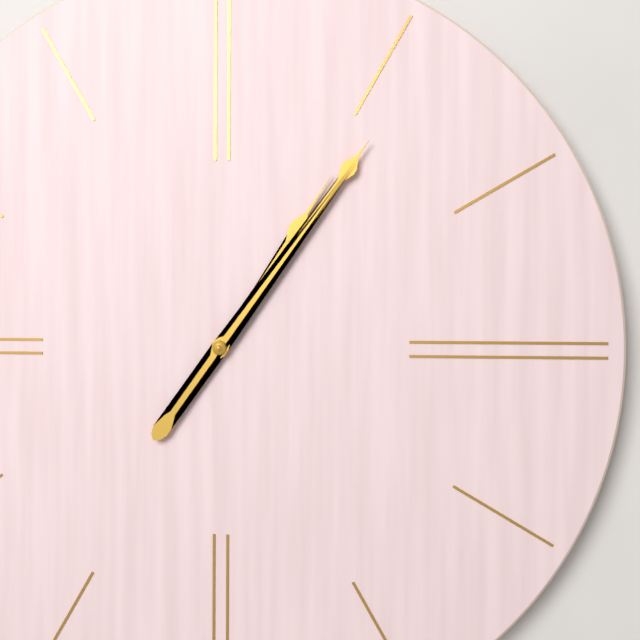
h=1 m=6
